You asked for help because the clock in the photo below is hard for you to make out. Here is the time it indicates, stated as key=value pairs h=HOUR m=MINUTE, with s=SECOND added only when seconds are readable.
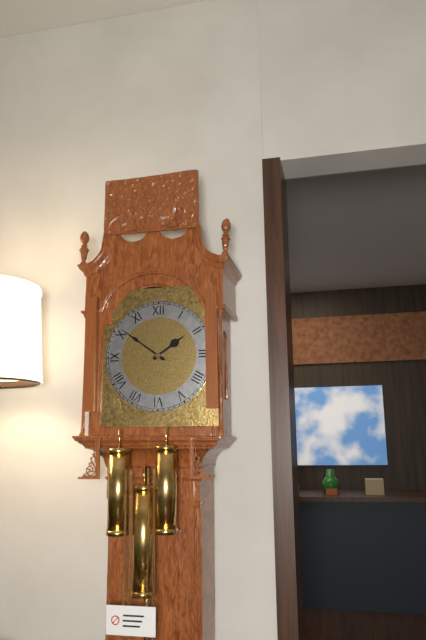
h=1 m=51
